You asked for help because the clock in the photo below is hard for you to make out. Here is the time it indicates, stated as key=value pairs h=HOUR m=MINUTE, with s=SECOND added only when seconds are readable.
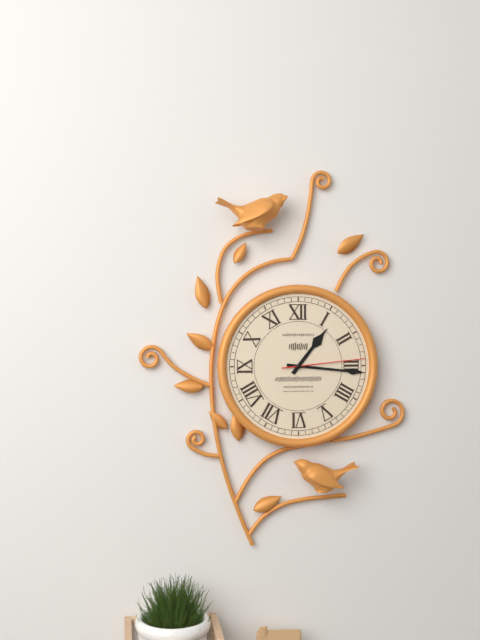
h=1 m=16 s=14
